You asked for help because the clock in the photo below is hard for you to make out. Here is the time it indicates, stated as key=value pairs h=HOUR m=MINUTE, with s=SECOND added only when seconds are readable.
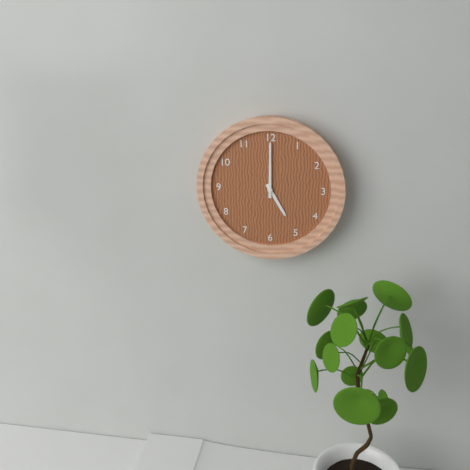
h=5 m=0
